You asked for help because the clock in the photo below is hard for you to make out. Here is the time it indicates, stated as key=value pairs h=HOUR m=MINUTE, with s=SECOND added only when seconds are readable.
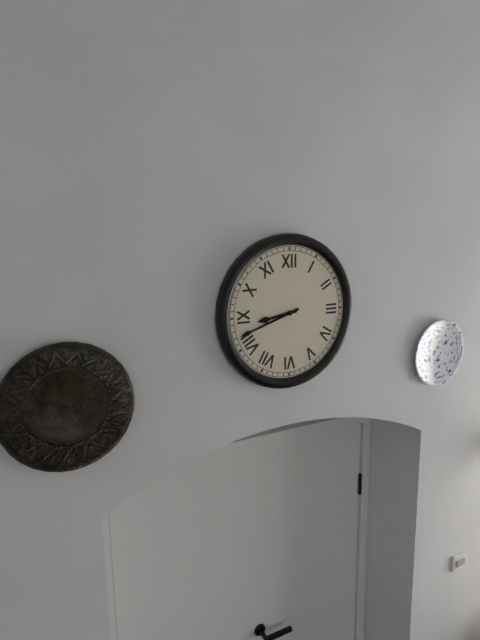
h=8 m=42
